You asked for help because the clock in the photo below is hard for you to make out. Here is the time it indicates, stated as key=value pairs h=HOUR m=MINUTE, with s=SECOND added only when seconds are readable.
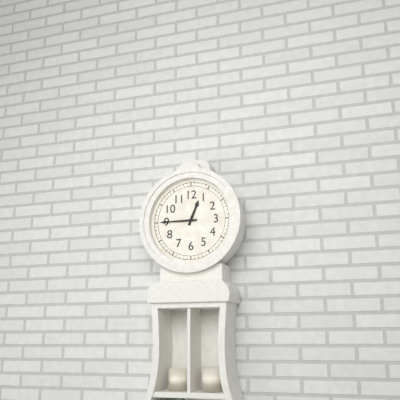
h=12 m=45
